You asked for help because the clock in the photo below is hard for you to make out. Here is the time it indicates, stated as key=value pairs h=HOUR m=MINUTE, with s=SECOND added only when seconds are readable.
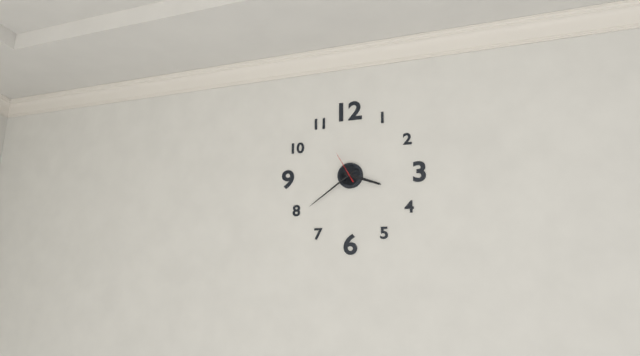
h=3 m=39
